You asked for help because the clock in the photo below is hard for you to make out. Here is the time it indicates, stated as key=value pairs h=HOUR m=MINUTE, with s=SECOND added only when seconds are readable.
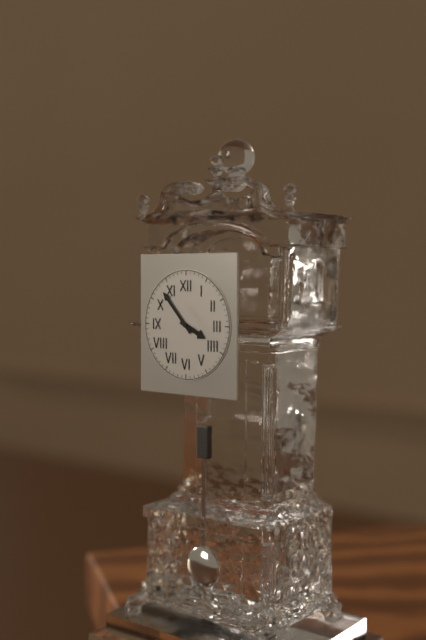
h=3 m=53
